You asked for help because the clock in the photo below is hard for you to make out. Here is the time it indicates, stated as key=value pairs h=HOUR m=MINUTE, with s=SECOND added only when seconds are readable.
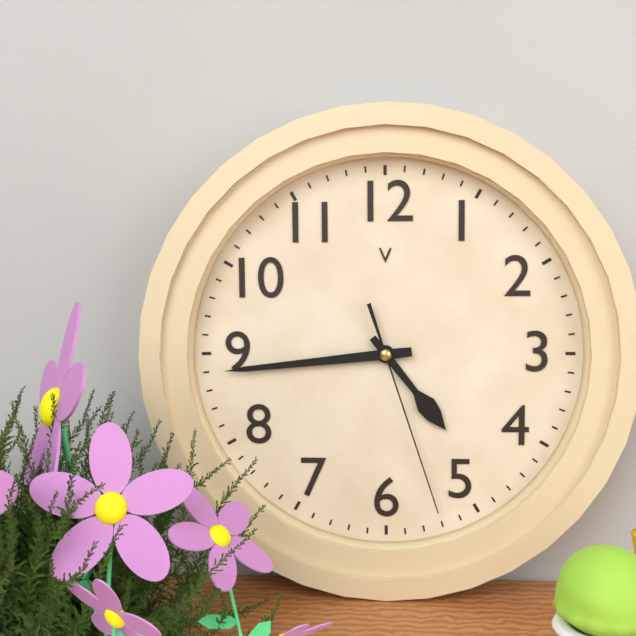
h=4 m=44 s=27
